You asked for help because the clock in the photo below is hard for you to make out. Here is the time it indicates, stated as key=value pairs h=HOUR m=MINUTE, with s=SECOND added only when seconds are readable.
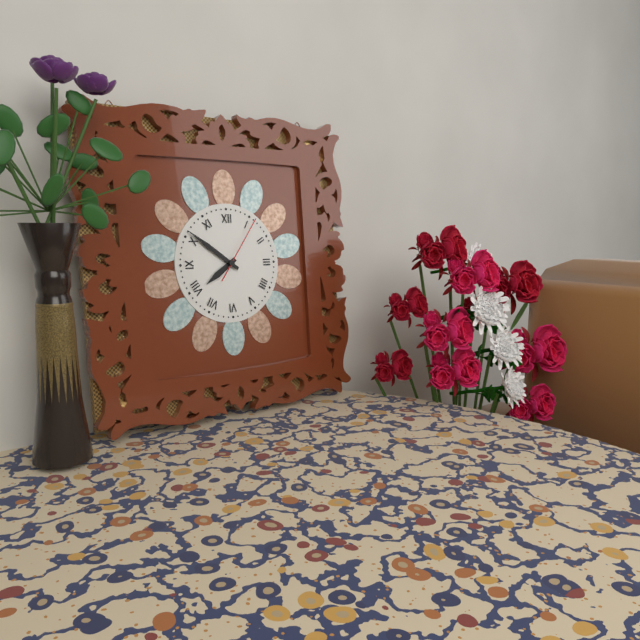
h=7 m=51 s=6
